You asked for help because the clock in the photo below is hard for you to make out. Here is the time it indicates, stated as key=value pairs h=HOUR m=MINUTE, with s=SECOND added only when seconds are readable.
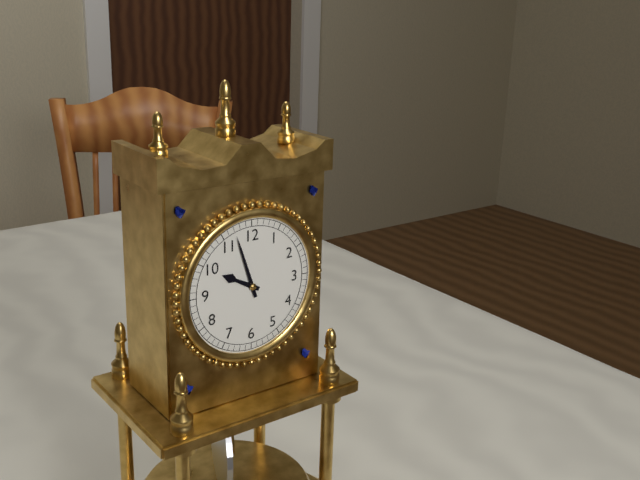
h=9 m=57
